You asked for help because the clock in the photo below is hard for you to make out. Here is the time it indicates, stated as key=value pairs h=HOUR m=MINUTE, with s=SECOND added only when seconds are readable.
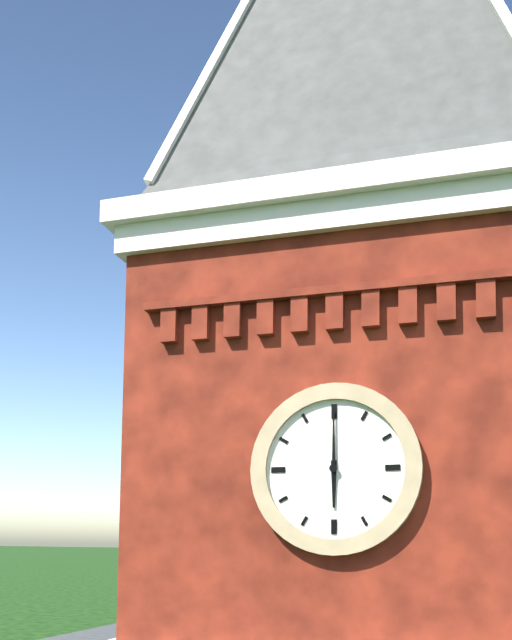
h=6 m=0
